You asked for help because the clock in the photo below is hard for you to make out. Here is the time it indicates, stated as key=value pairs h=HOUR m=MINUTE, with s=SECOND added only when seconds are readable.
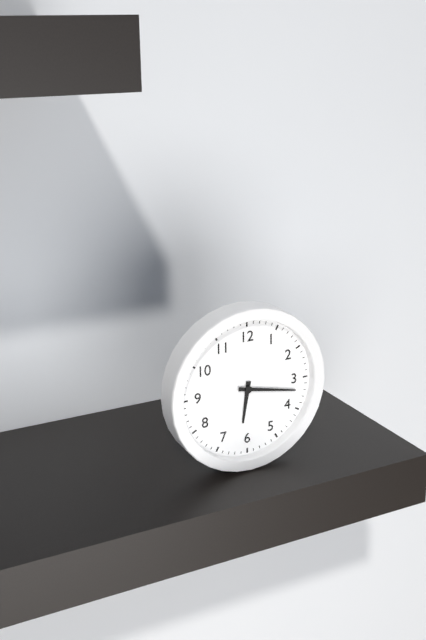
h=6 m=17
